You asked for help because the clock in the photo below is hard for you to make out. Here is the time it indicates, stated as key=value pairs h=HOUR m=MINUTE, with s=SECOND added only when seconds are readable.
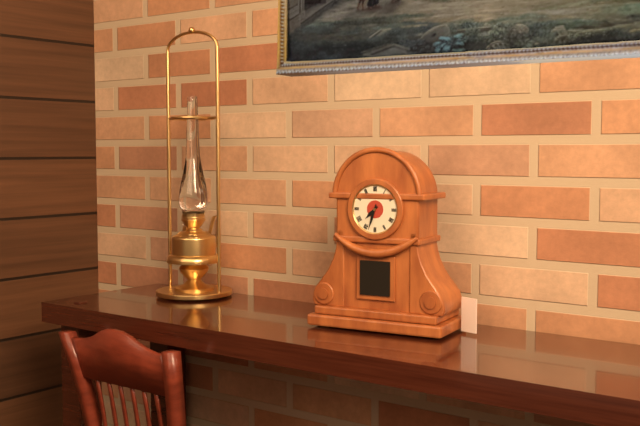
h=7 m=33
